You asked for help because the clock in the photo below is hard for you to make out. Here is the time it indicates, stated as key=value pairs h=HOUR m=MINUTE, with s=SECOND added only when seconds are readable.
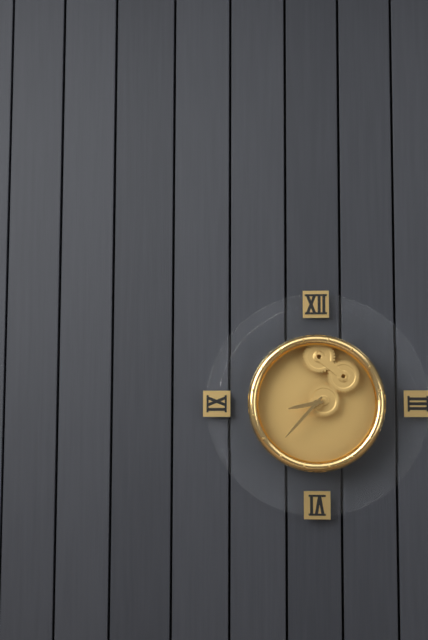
h=8 m=37
